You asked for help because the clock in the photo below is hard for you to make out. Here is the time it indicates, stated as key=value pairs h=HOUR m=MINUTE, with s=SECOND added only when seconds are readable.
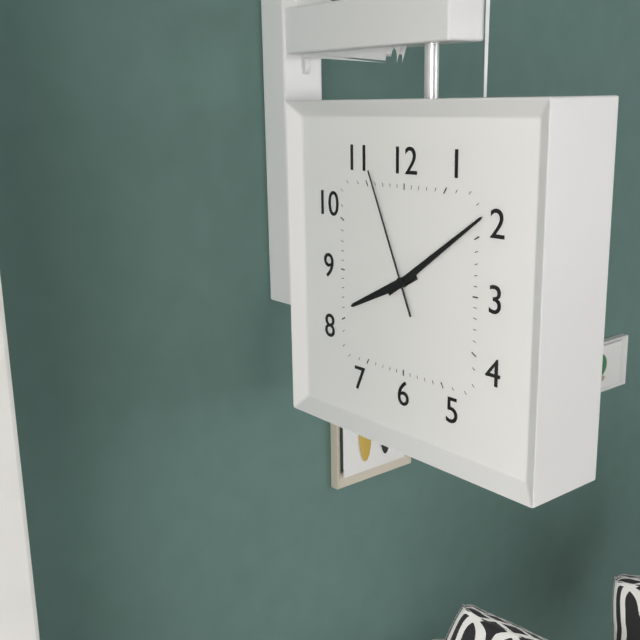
h=8 m=9 s=56
